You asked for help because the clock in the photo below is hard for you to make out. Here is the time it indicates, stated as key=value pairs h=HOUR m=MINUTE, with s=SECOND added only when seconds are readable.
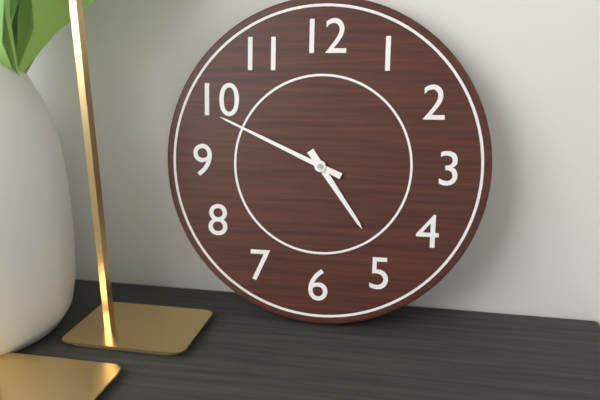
h=4 m=49
